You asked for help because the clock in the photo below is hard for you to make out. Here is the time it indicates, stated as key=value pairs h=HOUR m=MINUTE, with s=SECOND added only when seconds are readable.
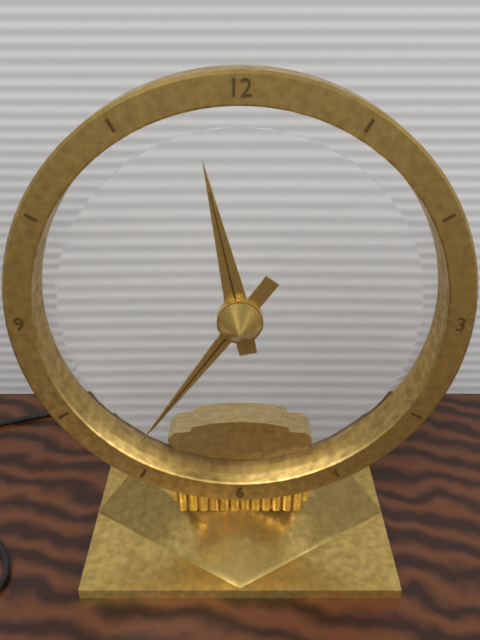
h=11 m=36
